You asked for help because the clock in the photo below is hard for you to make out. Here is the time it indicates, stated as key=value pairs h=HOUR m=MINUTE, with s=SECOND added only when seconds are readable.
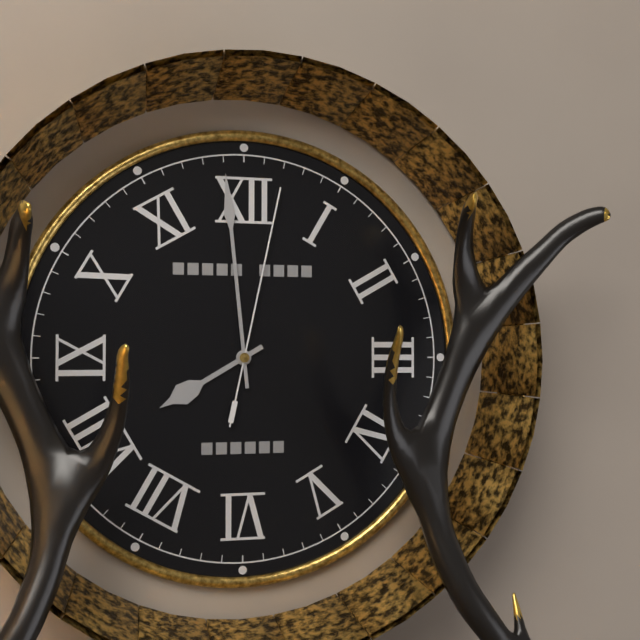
h=7 m=59 s=2
